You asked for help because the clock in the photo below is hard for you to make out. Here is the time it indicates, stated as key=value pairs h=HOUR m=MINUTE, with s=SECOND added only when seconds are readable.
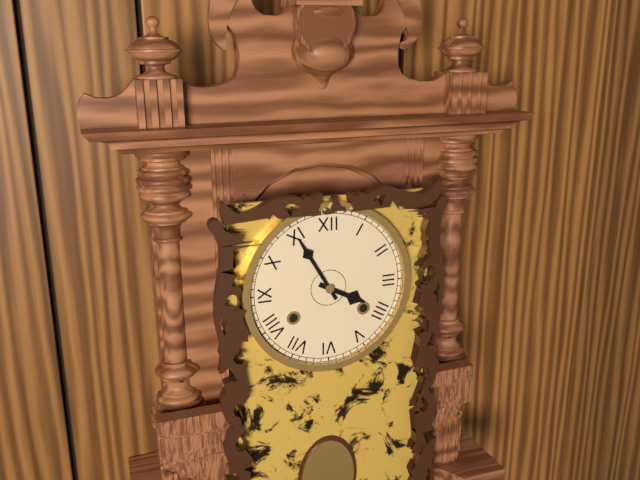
h=3 m=55
